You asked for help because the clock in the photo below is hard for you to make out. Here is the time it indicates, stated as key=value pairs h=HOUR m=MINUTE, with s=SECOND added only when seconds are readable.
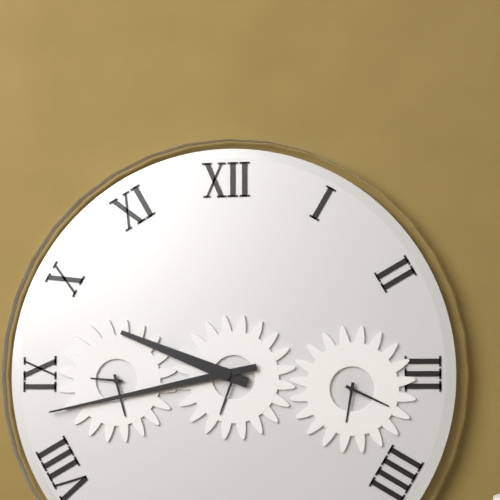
h=9 m=43
